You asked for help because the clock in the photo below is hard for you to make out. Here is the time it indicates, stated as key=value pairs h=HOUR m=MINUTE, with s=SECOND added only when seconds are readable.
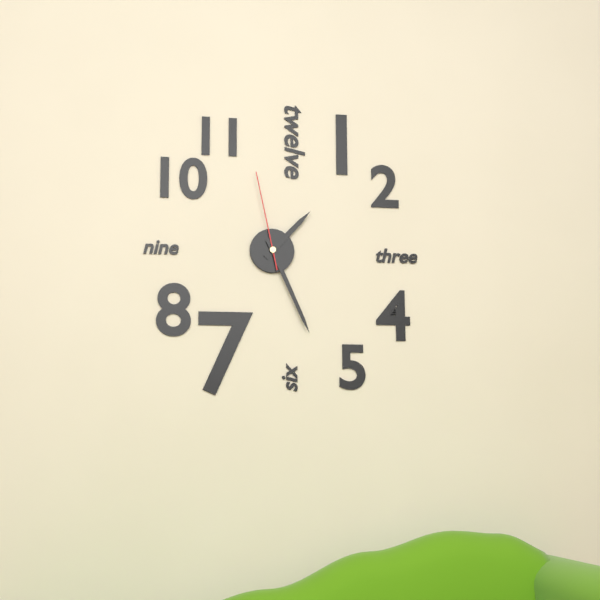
h=1 m=26 s=58
